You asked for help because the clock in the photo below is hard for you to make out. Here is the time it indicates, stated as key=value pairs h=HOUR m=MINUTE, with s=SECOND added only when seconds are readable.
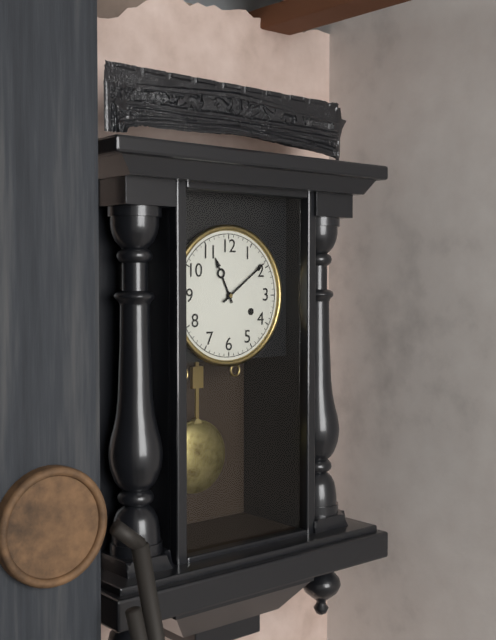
h=11 m=9
